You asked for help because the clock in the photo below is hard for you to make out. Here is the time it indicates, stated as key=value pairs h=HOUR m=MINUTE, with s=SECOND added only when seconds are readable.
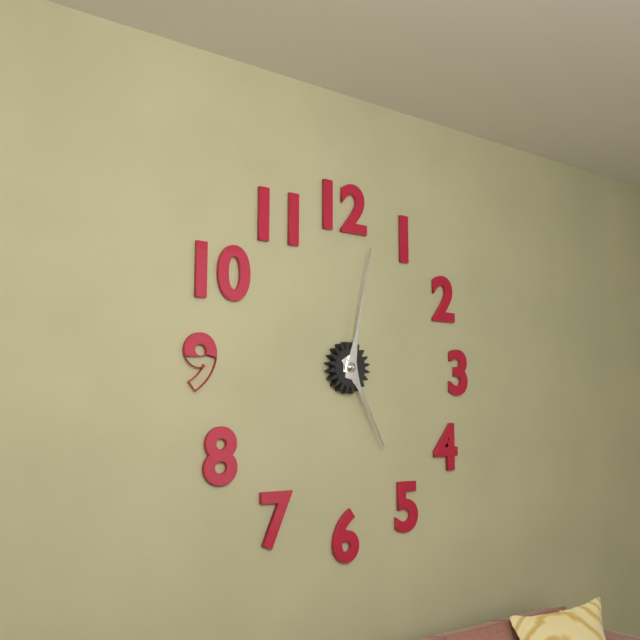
h=5 m=2
